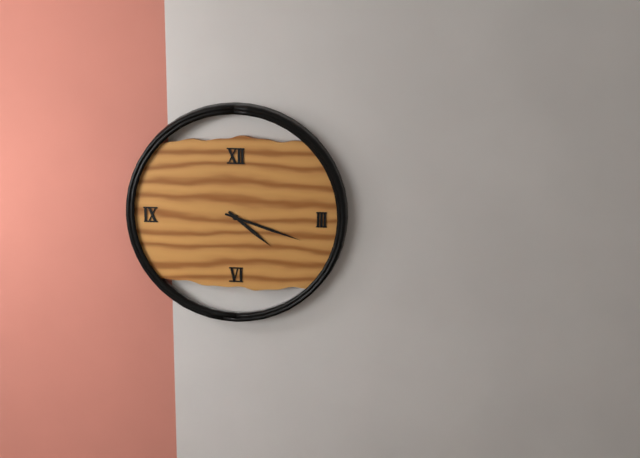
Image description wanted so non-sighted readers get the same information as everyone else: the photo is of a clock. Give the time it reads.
4:18
